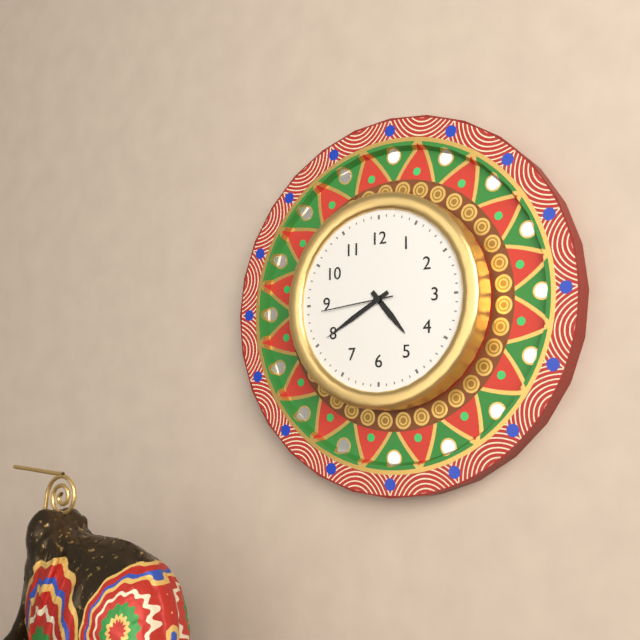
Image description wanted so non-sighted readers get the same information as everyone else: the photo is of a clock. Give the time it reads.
4:40:44
